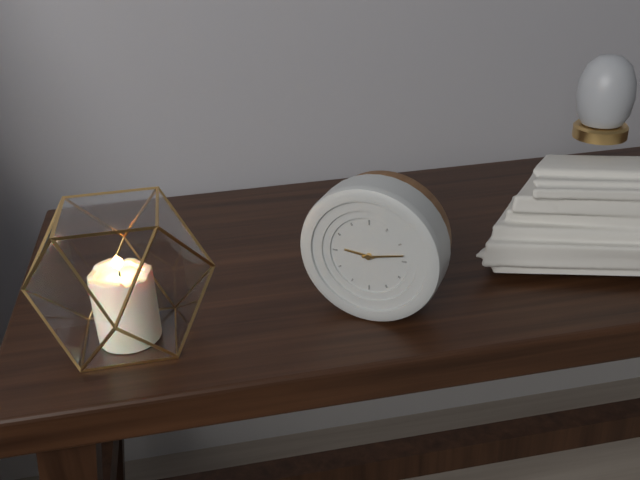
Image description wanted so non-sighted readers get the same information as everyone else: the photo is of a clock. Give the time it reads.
9:13
